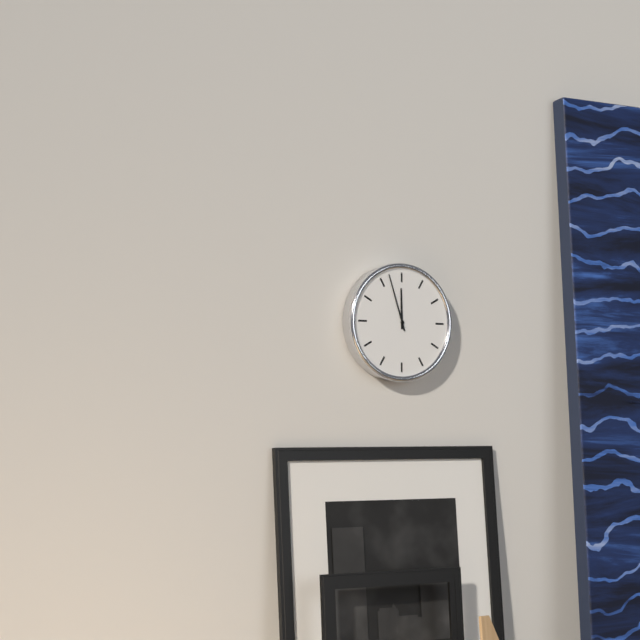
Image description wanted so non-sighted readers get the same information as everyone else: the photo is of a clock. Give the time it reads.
11:57
